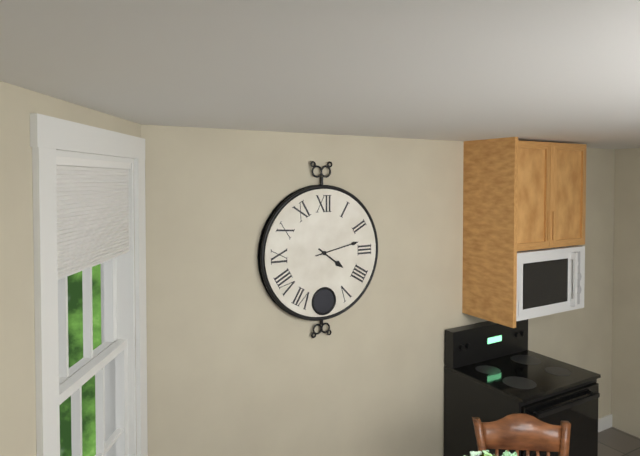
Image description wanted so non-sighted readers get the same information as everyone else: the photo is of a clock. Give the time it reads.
4:13
